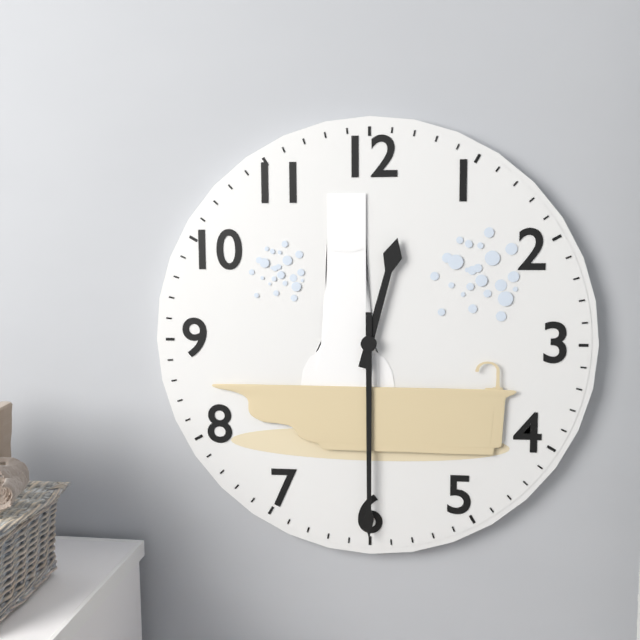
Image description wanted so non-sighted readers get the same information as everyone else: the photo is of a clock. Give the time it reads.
12:30
